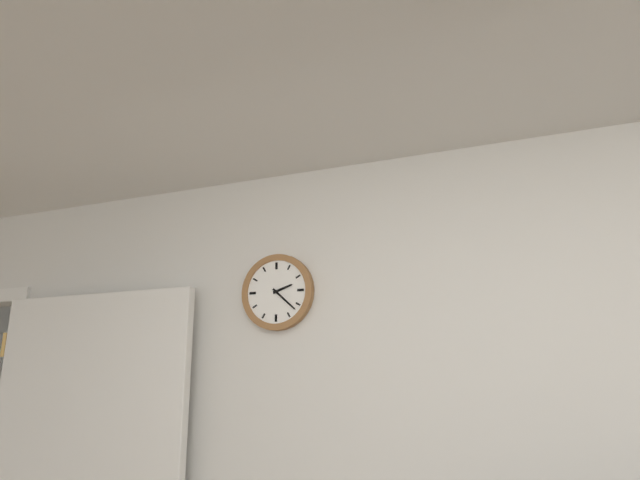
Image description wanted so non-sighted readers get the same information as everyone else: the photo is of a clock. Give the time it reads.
2:22
